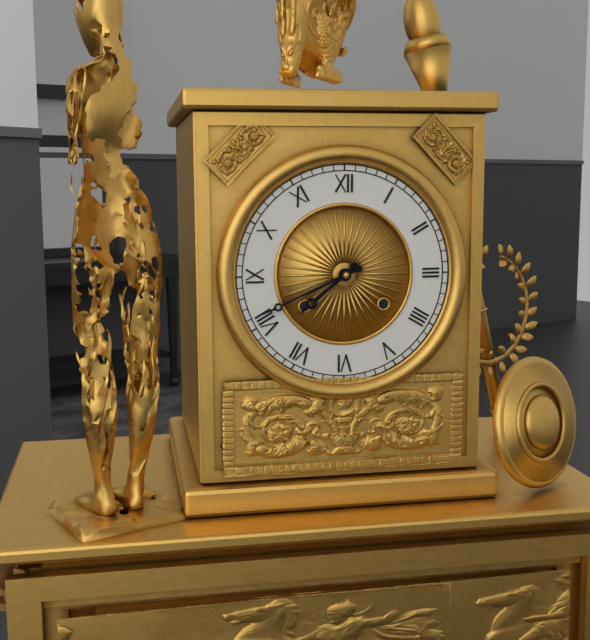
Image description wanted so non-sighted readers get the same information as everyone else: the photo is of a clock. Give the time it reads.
7:41
